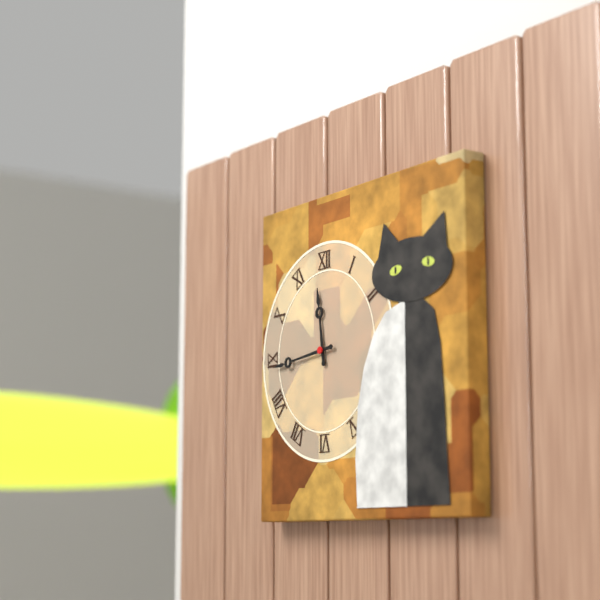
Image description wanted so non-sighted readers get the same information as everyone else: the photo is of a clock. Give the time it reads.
11:44
